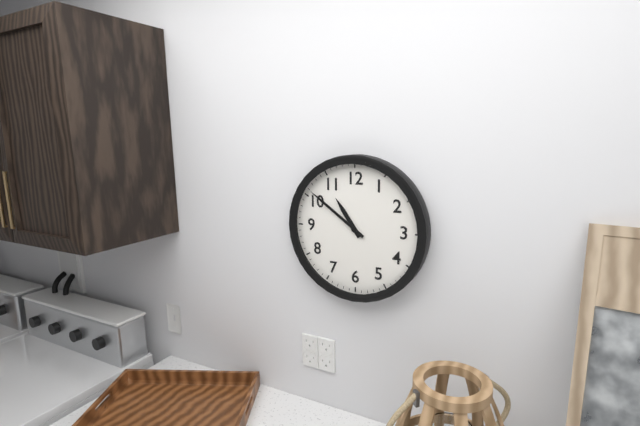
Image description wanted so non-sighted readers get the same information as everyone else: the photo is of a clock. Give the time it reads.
10:51
